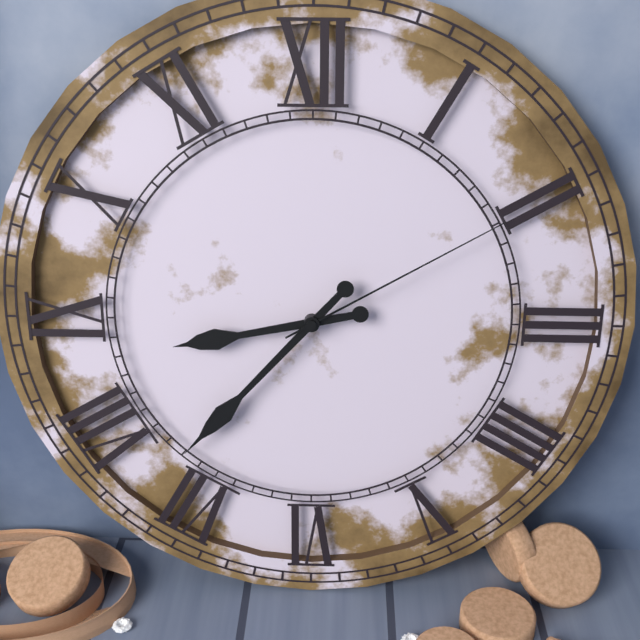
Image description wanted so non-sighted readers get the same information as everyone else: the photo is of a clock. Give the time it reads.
8:37:10
